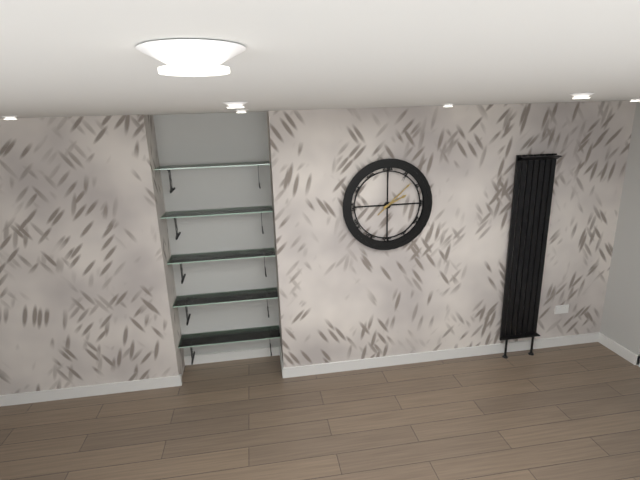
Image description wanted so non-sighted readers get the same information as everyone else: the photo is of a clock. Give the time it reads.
2:08
